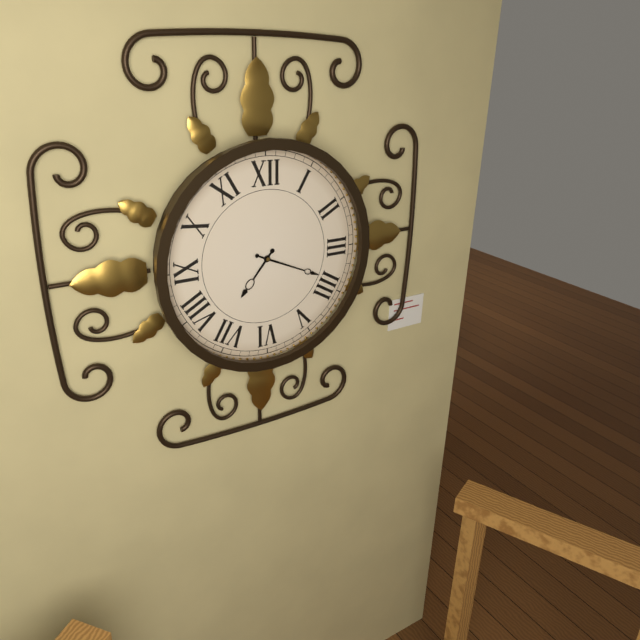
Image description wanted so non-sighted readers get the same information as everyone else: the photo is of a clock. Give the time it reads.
7:19
